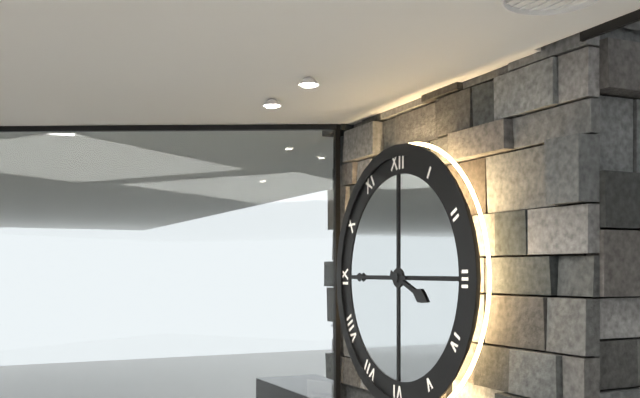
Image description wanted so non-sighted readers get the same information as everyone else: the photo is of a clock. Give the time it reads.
3:45
